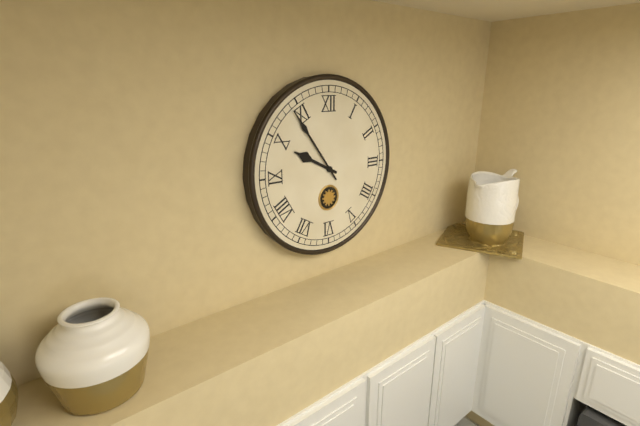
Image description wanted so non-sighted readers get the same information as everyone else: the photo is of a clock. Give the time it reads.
9:54
